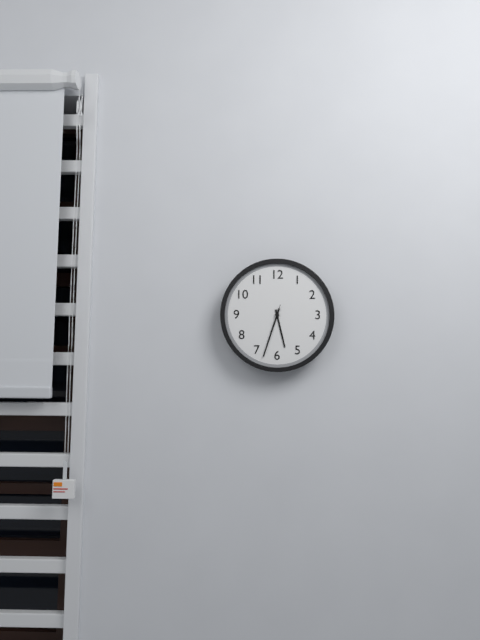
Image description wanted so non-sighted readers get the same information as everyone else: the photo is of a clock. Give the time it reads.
5:33:33
